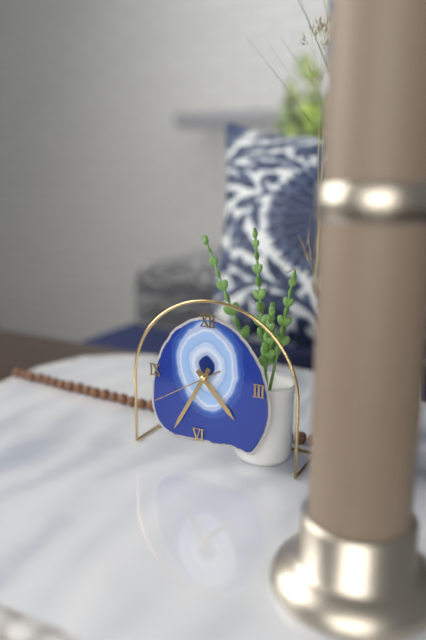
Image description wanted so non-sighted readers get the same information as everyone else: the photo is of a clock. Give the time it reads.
4:35:40
